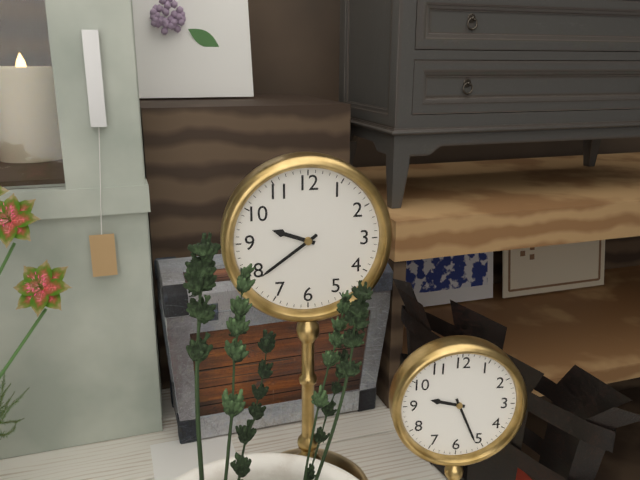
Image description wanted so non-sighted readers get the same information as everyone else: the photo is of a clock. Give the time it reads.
9:39
